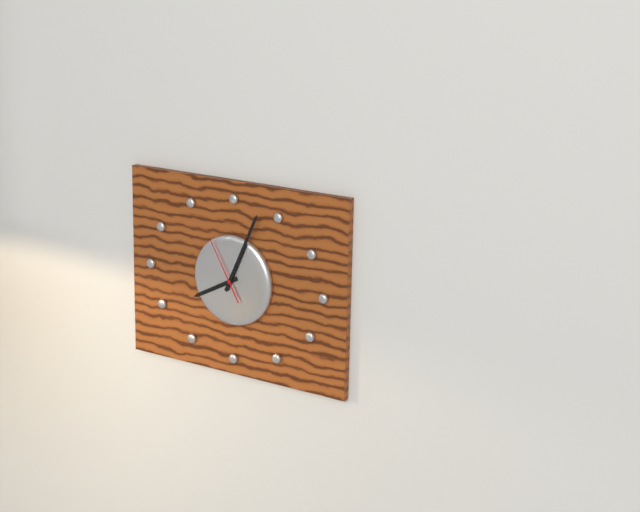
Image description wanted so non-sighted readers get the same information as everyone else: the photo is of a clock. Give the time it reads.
8:04:55
